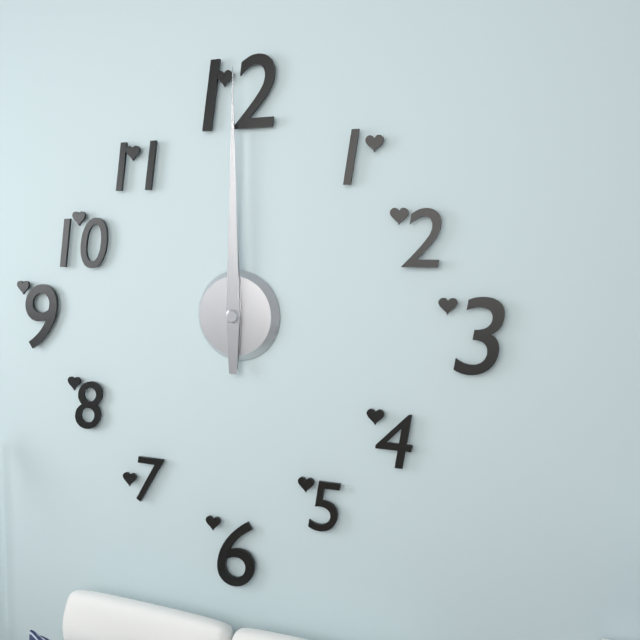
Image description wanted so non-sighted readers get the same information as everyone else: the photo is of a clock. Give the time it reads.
12:00
